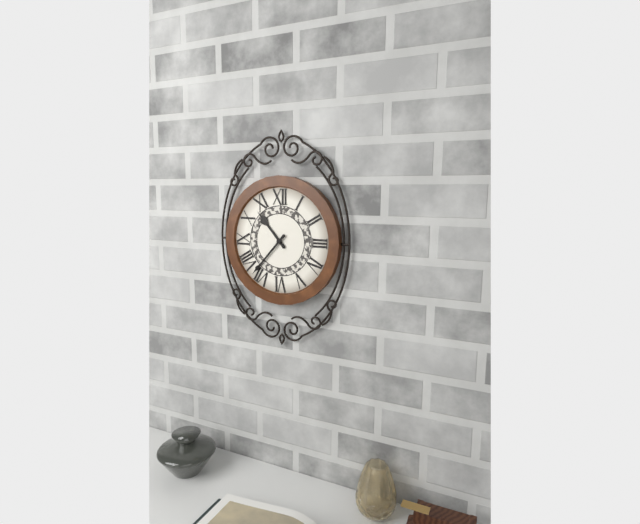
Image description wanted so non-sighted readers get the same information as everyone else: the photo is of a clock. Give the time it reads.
10:37
